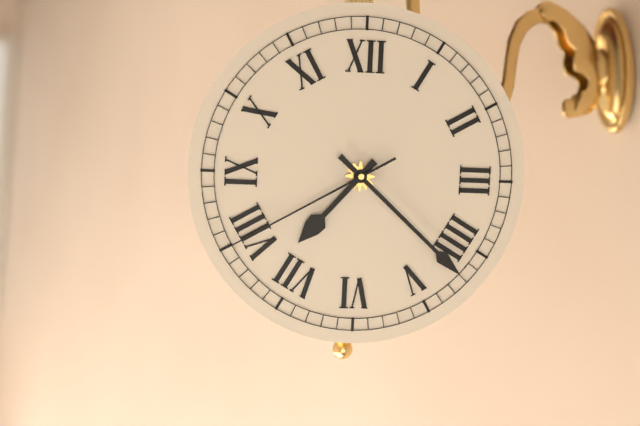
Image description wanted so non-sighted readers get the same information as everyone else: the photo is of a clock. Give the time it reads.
7:22:40
